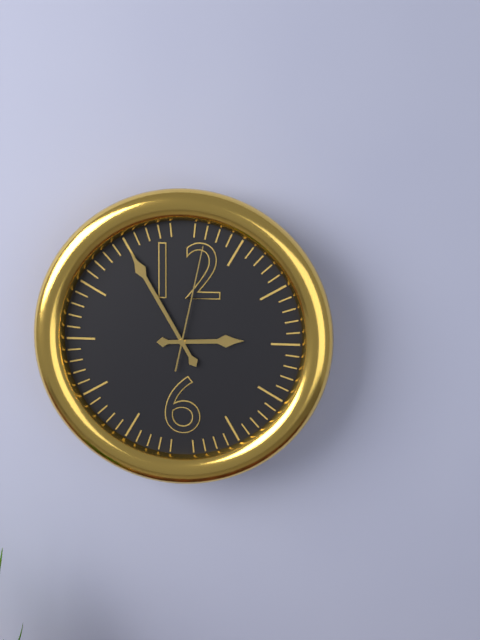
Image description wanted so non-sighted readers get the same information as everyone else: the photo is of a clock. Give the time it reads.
2:55:02
